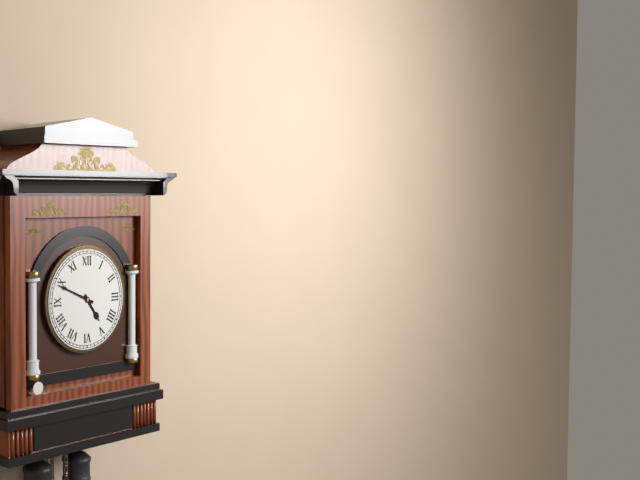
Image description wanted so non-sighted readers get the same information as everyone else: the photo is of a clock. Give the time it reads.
4:49
